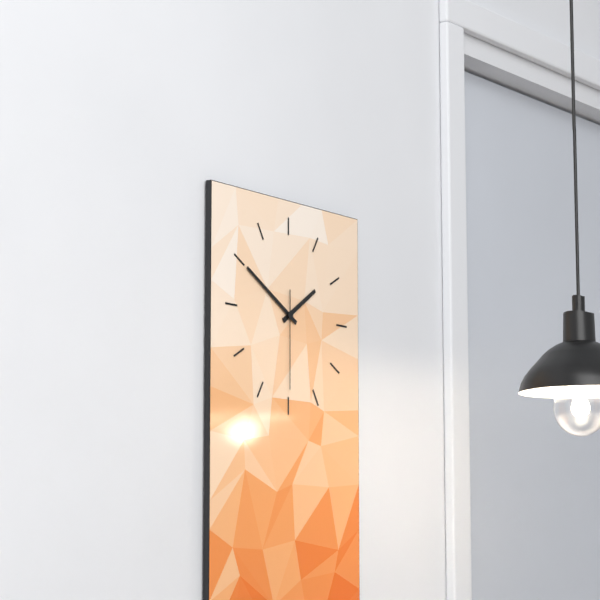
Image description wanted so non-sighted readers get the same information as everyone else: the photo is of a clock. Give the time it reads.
1:50:30
